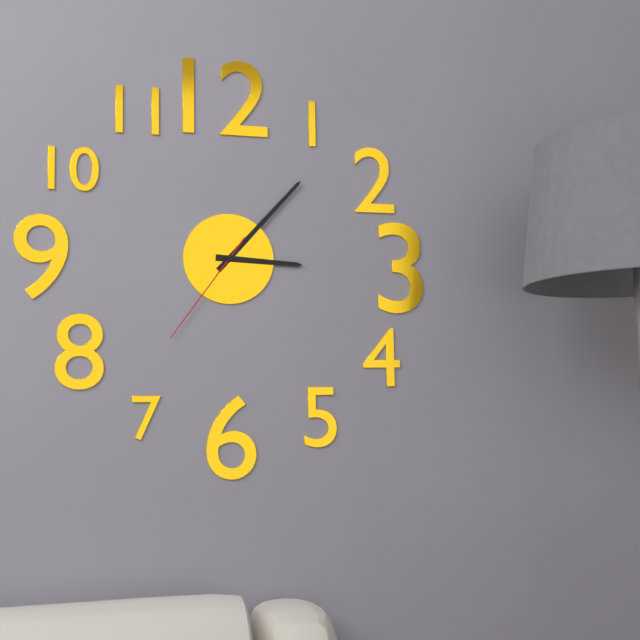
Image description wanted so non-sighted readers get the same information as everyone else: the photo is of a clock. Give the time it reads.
3:07:36
